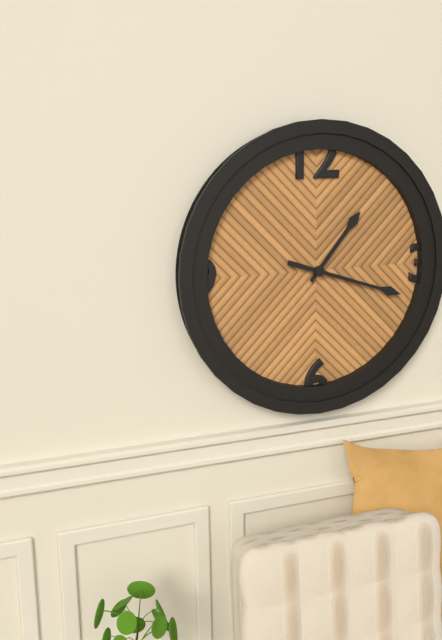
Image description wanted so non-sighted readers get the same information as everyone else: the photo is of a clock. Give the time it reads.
1:18
